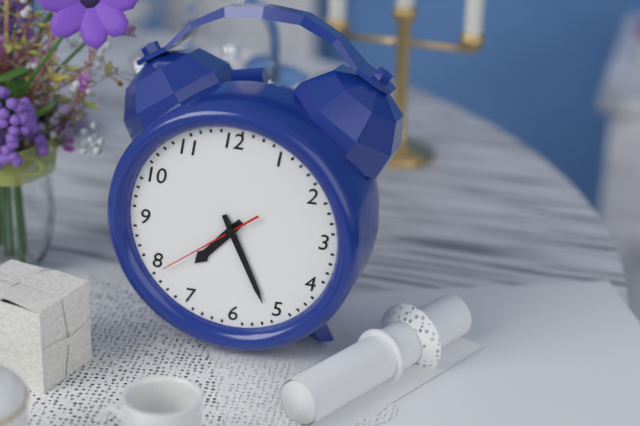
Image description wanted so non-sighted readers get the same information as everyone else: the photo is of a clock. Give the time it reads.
7:26:39
